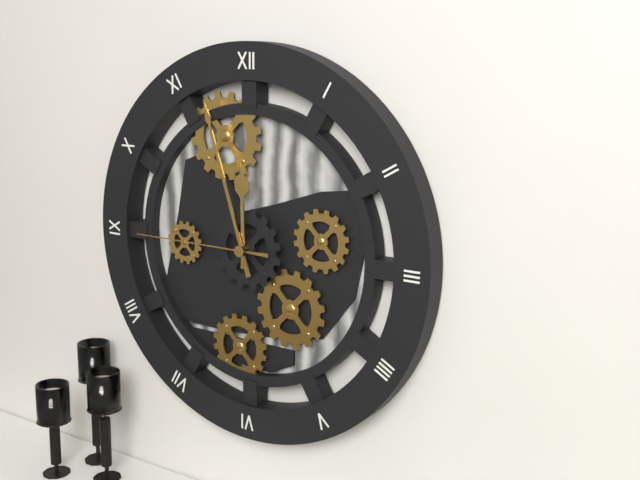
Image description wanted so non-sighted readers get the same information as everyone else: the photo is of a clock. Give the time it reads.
11:57:45
